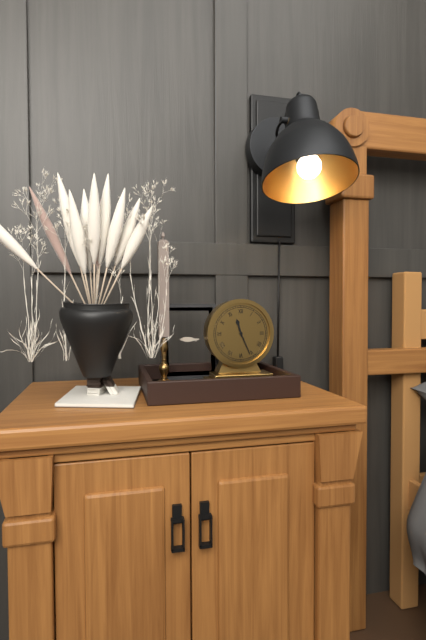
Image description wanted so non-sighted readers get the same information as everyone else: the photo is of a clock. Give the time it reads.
11:26
